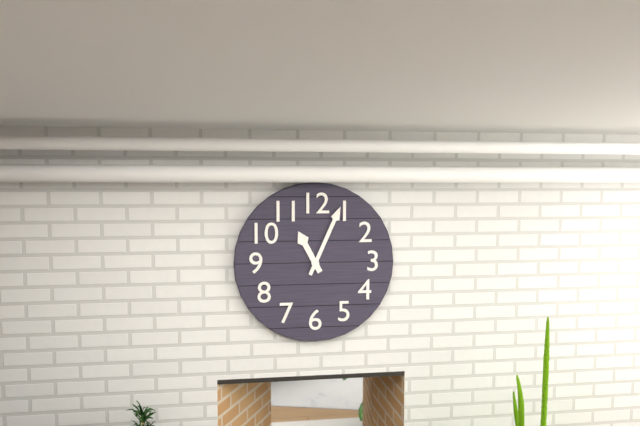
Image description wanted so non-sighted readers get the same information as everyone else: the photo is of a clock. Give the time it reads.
11:04
